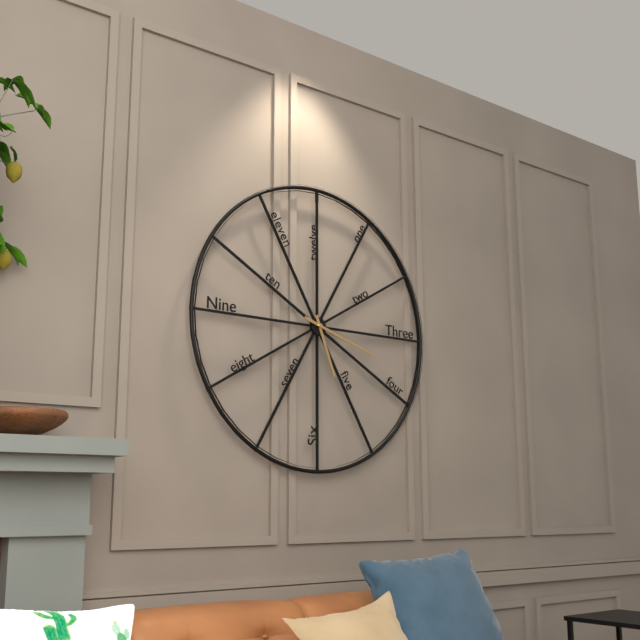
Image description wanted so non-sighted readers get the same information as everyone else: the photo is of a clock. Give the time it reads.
5:18
